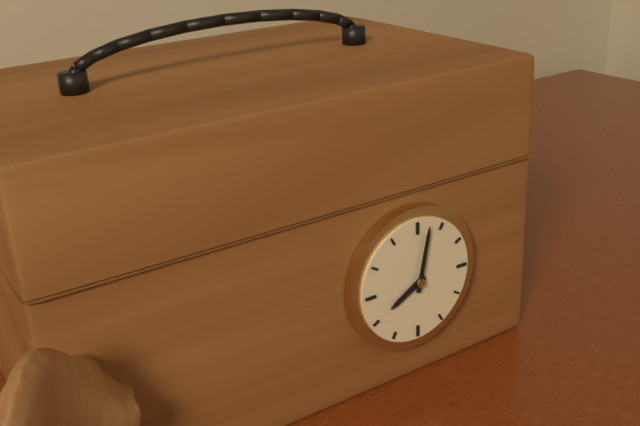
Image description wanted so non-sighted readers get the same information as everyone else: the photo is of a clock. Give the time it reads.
8:02
